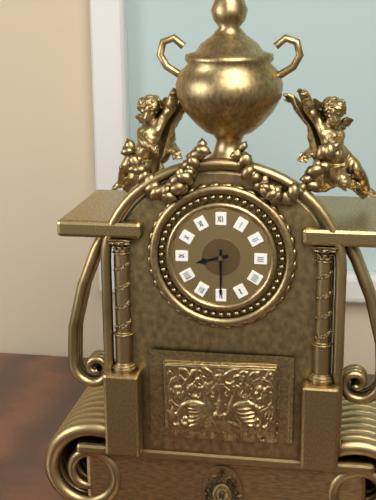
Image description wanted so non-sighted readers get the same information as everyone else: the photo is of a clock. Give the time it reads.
8:30
